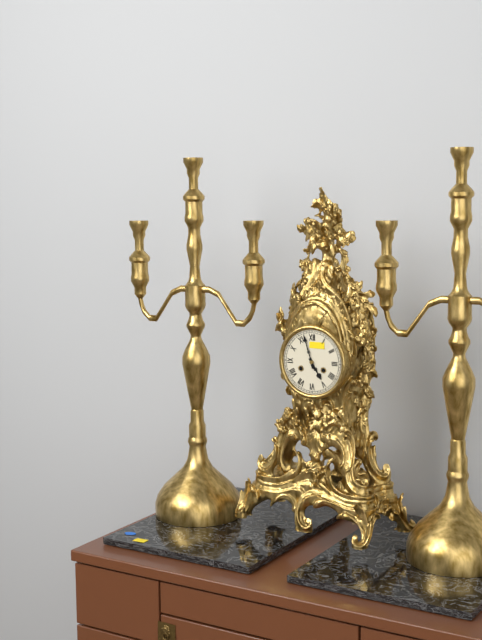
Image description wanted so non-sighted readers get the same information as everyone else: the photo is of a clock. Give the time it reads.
4:57
